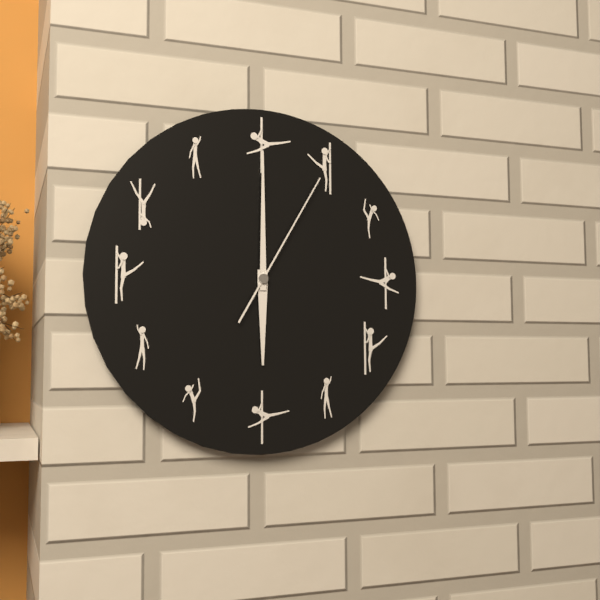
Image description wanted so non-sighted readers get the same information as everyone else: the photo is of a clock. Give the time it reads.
6:00:05
